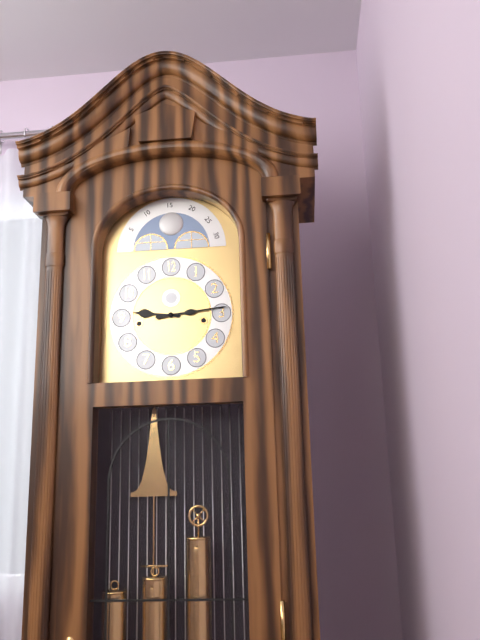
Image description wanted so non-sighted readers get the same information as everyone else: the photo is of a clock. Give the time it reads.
9:14
